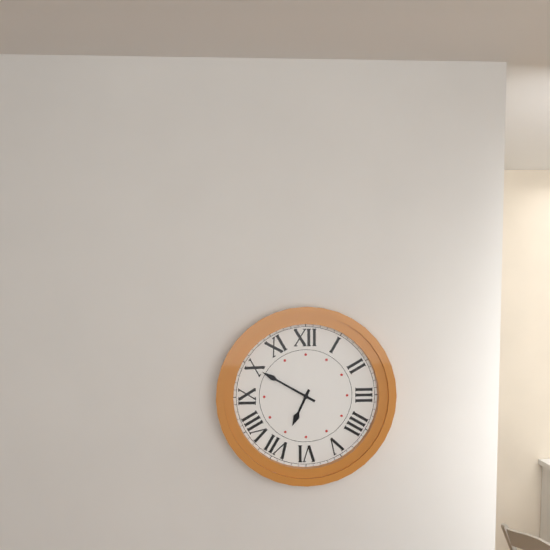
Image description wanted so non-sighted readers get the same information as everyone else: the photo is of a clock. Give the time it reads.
6:50
